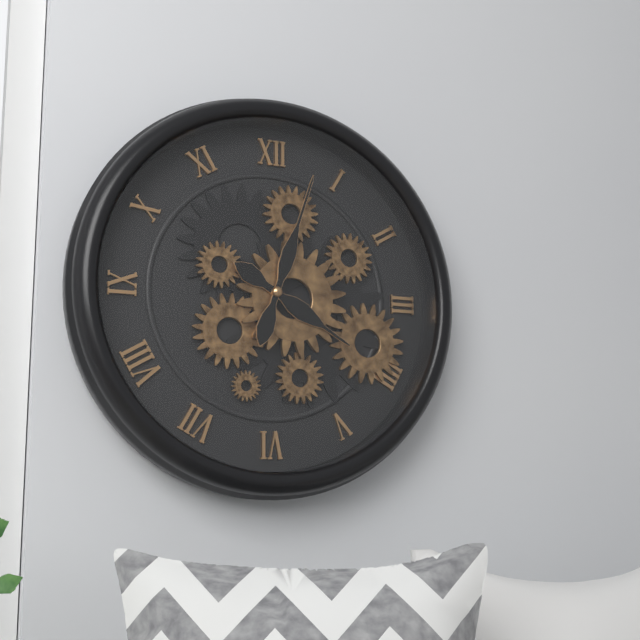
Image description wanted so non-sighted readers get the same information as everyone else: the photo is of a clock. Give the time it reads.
4:03
